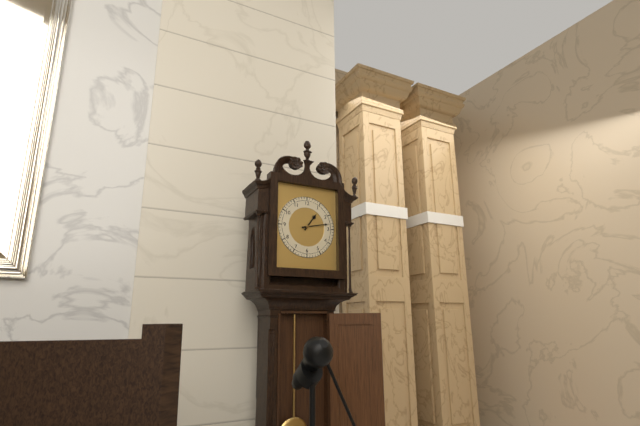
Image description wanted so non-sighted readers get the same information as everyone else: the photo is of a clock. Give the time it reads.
1:13
